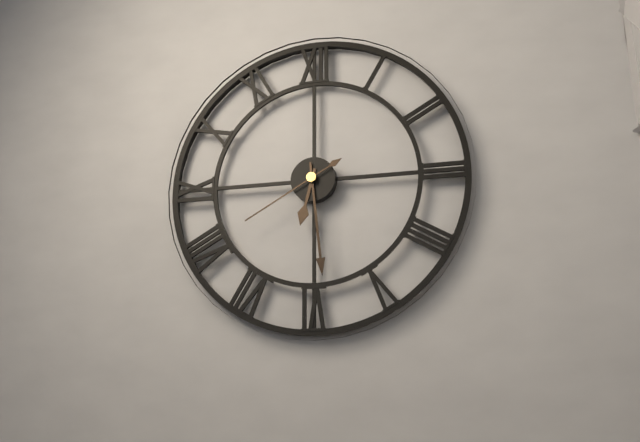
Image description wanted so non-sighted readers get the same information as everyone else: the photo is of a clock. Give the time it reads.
6:29:40
